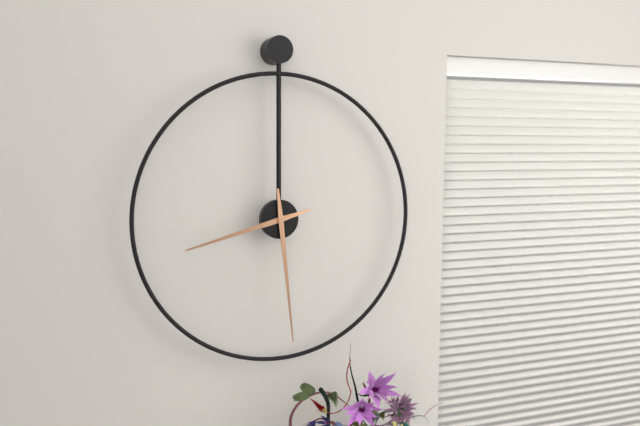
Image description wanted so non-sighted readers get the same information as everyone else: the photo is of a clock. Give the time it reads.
8:29
